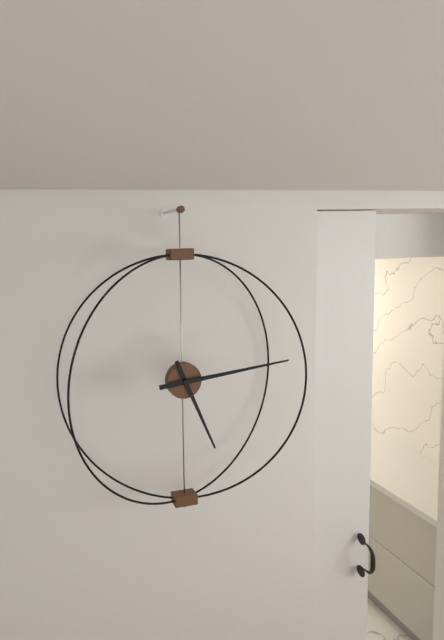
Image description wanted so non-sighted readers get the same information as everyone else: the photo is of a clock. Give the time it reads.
5:14
